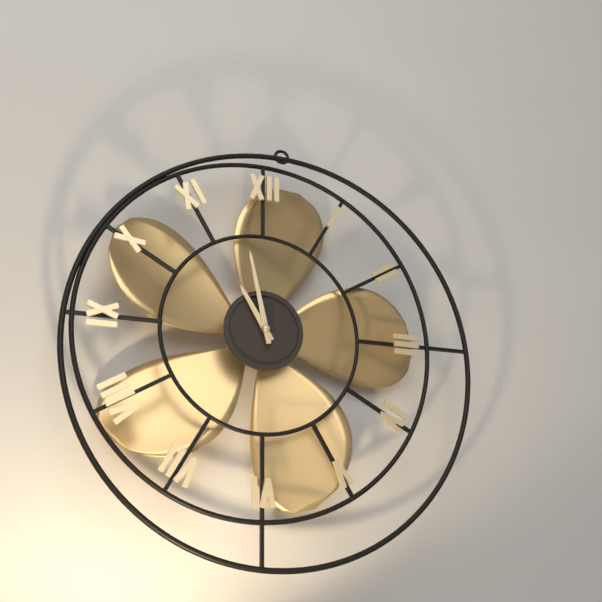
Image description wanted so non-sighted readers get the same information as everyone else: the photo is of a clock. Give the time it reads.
10:58
